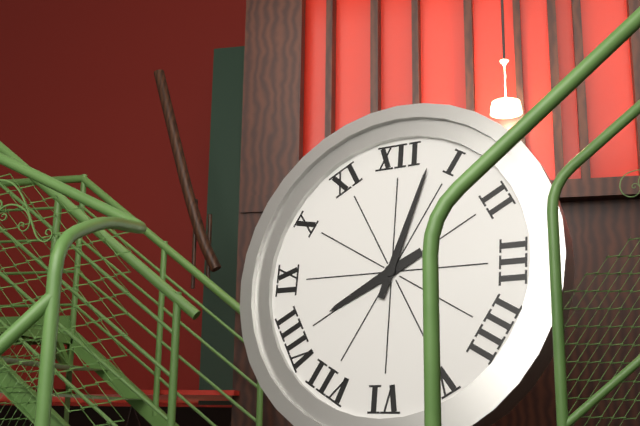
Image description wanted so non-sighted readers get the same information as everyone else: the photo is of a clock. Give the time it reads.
8:03
